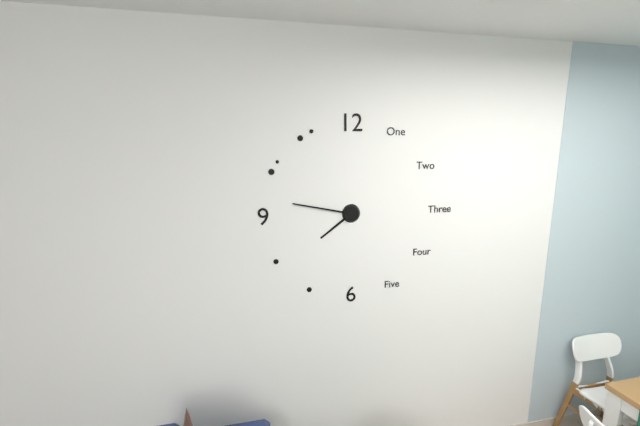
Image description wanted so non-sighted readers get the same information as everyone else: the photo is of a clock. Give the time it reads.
7:47
